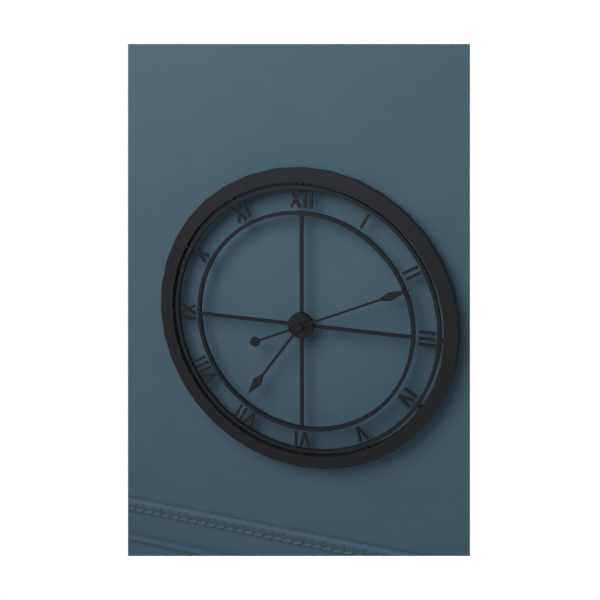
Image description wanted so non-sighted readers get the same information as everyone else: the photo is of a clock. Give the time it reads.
7:11
